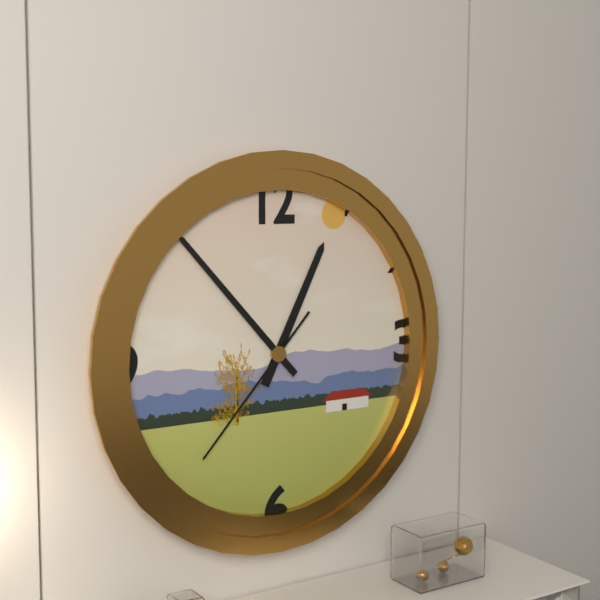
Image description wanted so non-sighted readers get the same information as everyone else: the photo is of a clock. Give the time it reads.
12:53:37
